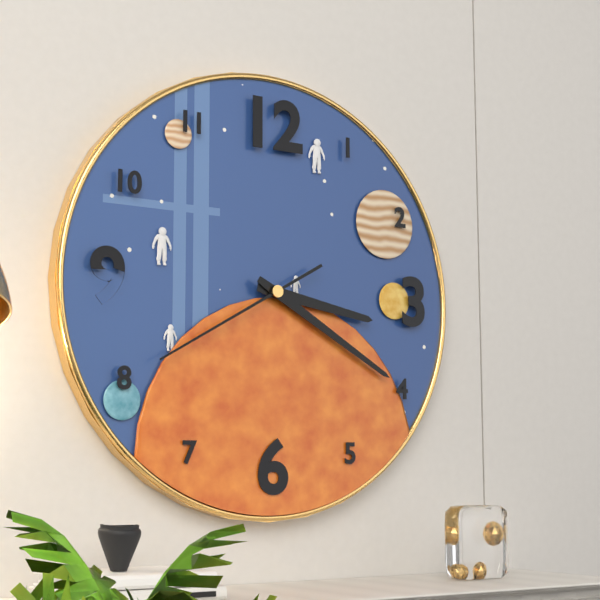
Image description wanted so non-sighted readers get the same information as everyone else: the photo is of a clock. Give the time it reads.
3:20:40
